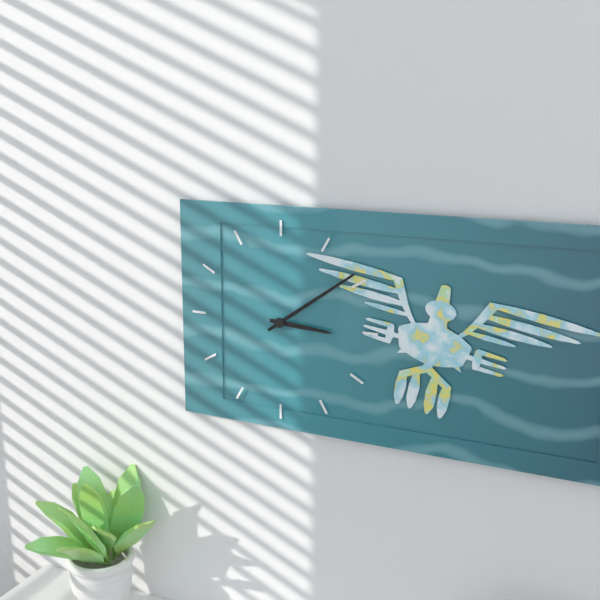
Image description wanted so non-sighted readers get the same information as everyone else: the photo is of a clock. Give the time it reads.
3:09
